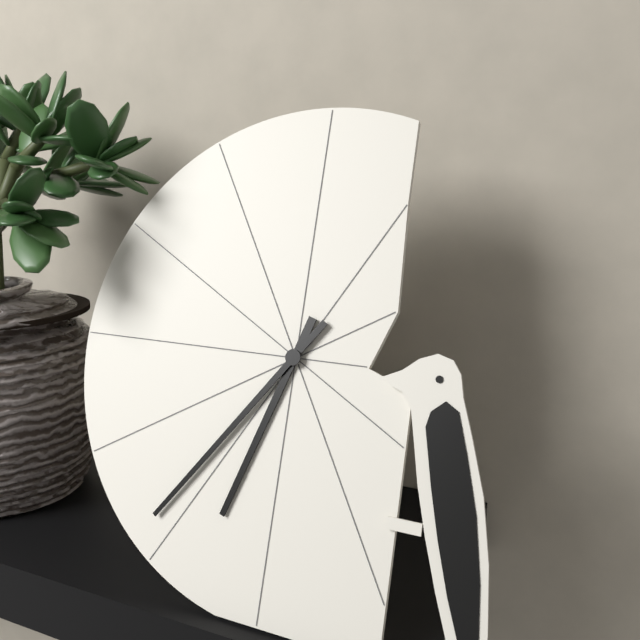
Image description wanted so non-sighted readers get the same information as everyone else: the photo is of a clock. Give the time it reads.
6:36
